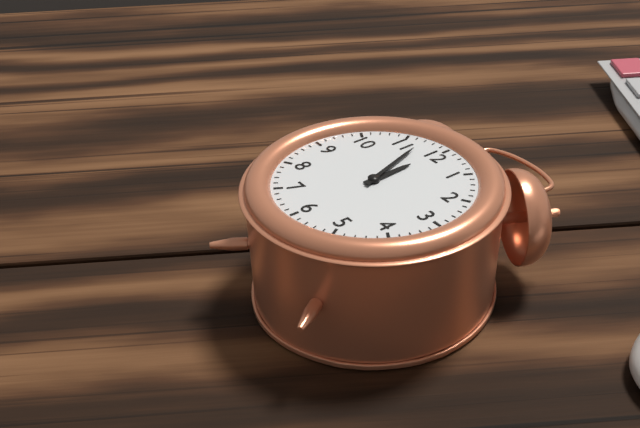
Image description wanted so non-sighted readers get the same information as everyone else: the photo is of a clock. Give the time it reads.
11:57
